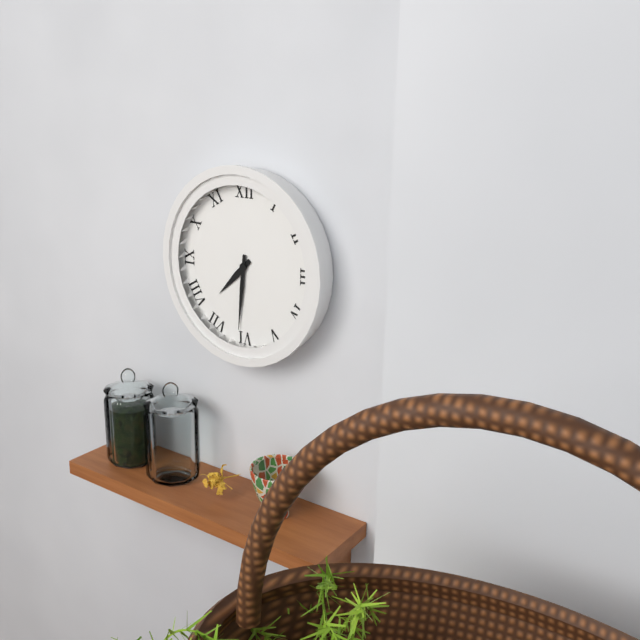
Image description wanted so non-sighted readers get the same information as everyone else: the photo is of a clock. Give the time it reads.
7:31
